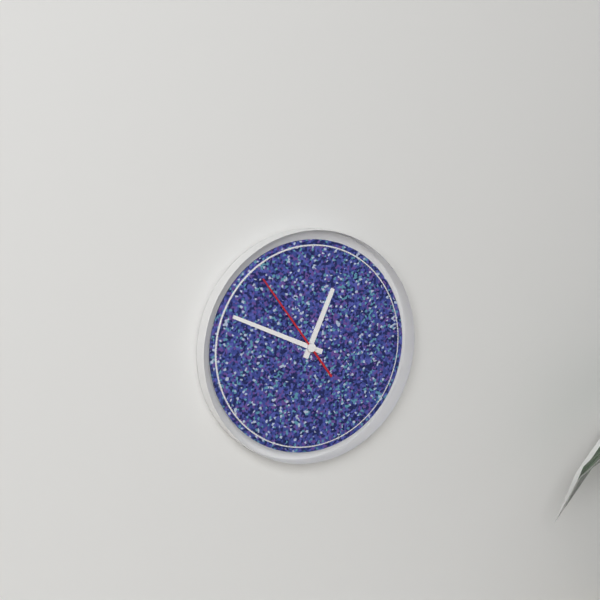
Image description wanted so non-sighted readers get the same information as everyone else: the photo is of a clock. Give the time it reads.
12:49:54
